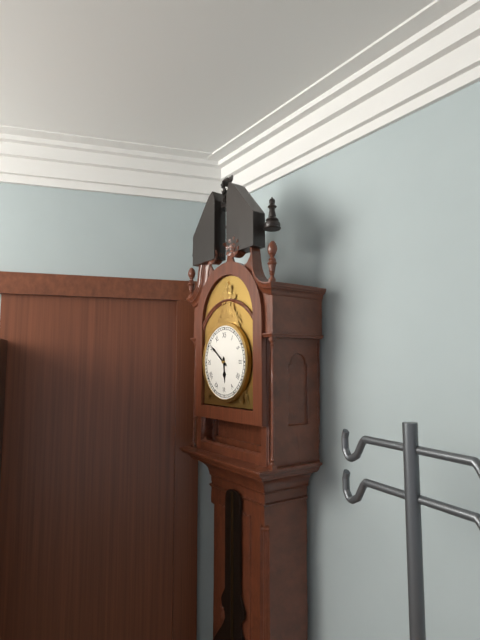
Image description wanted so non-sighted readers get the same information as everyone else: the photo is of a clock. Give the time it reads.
5:51
